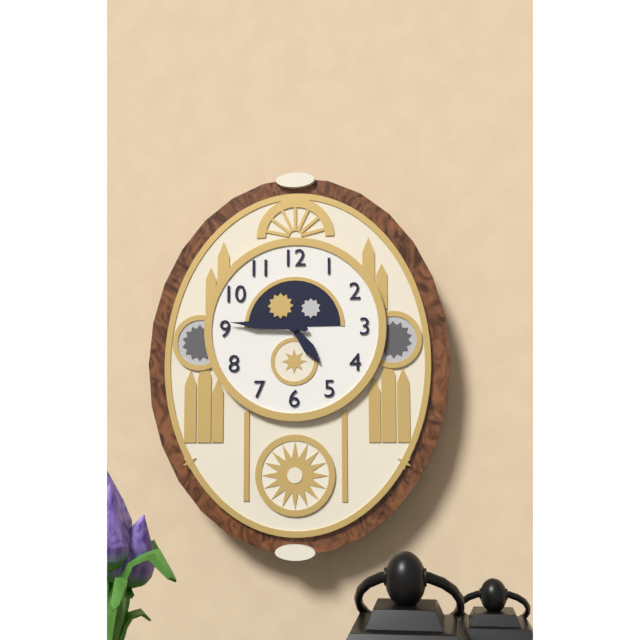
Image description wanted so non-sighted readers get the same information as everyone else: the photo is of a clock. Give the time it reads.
4:46
